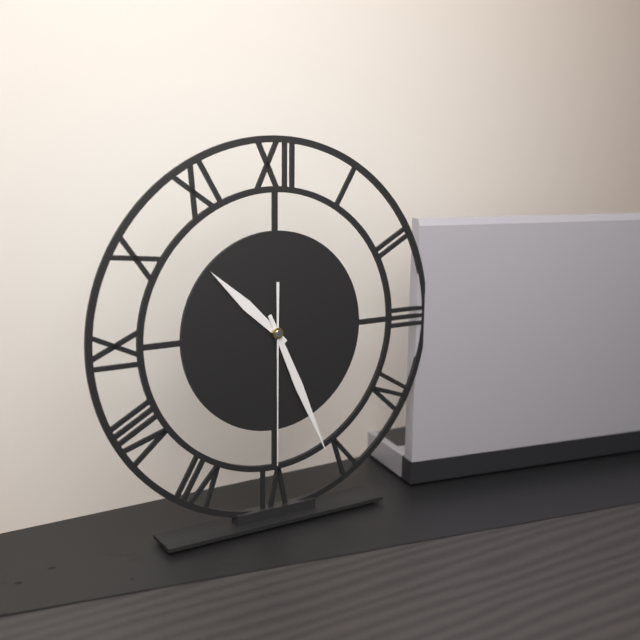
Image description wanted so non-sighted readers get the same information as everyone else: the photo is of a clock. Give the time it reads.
10:26:30
